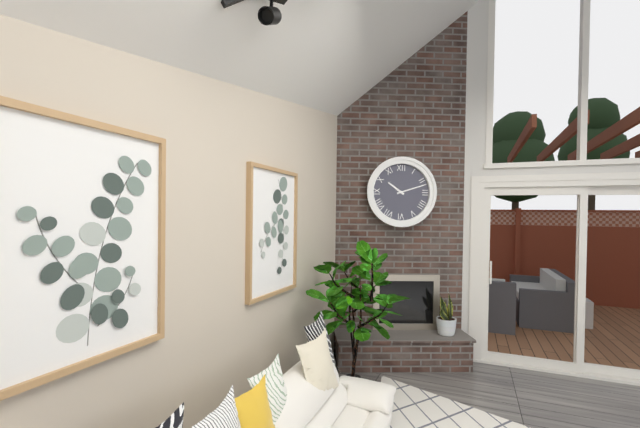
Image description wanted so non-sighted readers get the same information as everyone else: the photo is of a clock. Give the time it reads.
10:12
